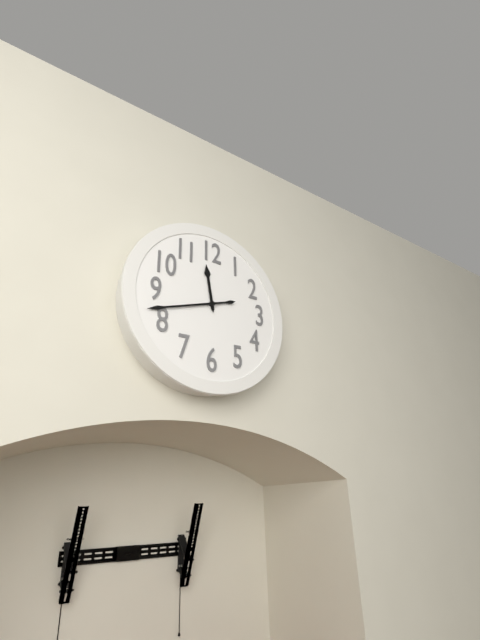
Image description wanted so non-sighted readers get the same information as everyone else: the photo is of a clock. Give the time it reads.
11:42
